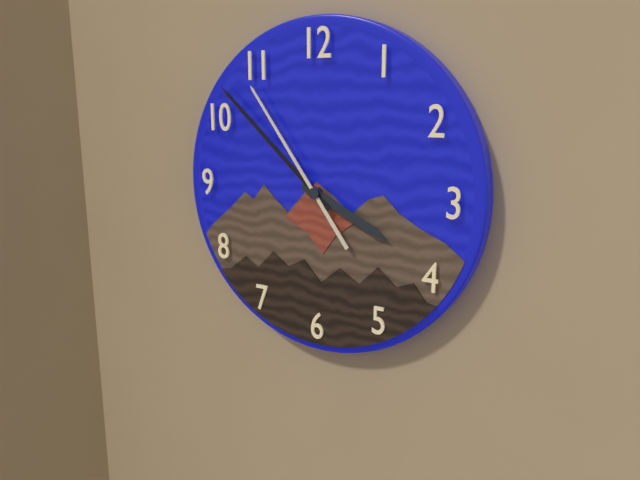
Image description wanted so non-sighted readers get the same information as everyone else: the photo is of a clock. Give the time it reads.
3:52:54
